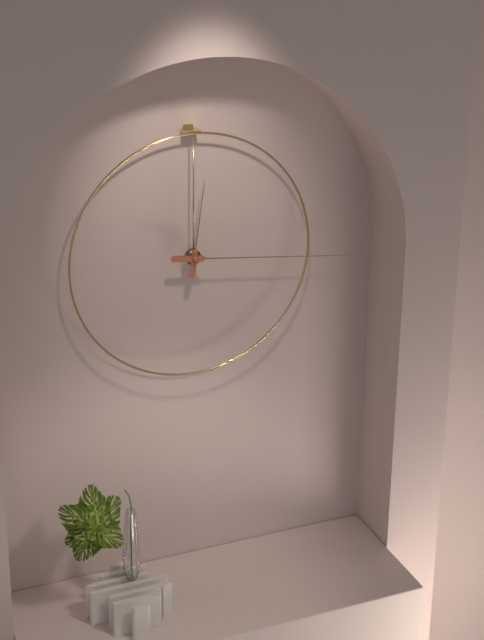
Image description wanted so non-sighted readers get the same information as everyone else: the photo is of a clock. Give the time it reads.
12:16
